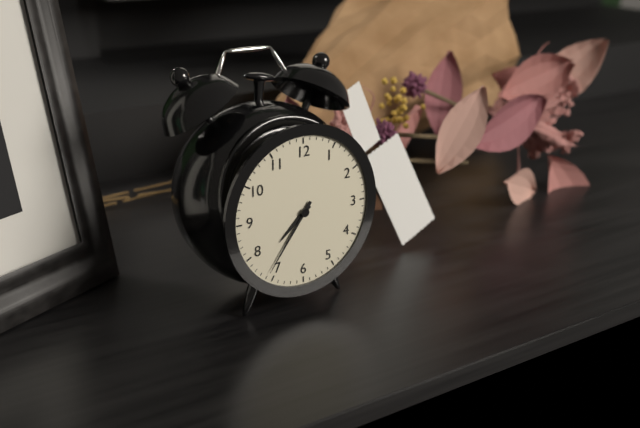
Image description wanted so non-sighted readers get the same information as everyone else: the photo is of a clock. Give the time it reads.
7:36
